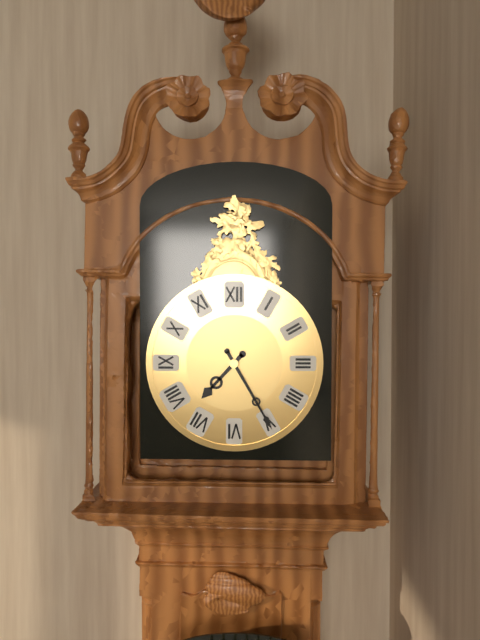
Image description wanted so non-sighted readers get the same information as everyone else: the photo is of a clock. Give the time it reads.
7:25
